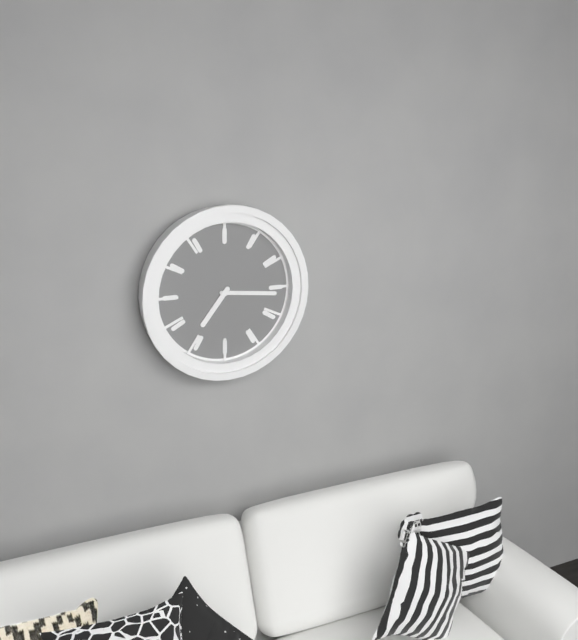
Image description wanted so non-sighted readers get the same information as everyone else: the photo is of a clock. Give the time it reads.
7:16
